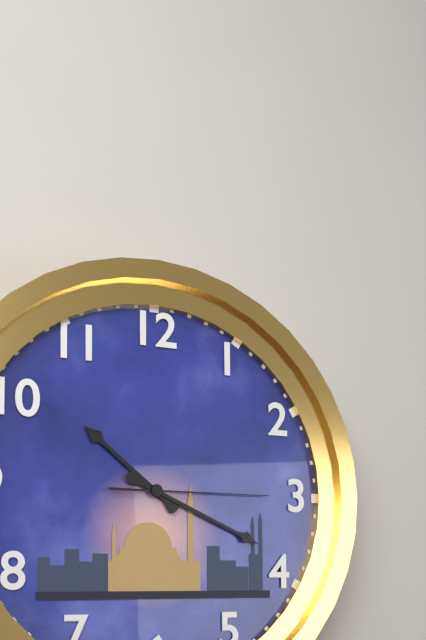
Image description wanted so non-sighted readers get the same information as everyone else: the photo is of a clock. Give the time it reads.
10:19:15
